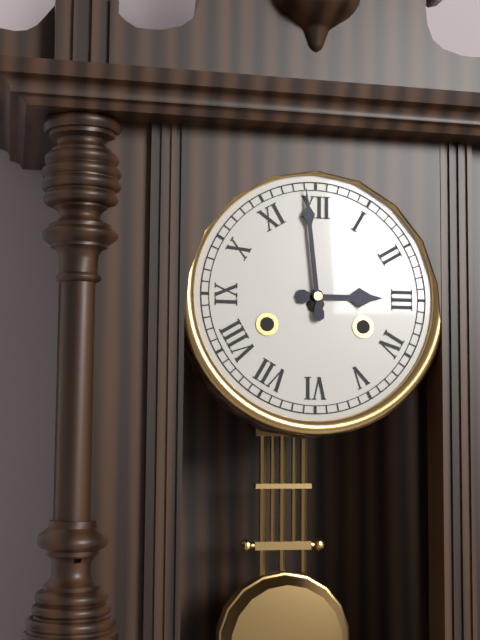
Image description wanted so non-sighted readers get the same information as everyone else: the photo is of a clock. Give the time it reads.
2:59
